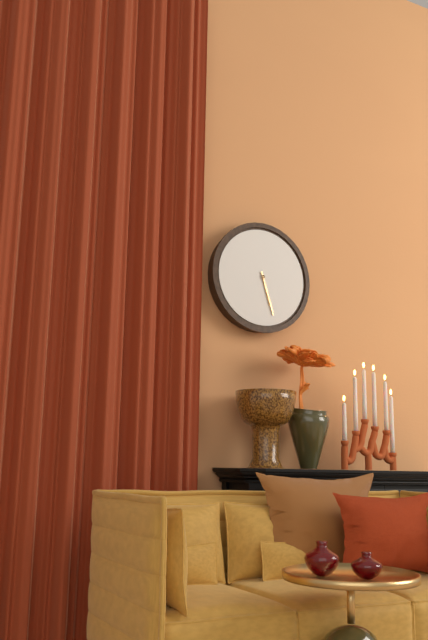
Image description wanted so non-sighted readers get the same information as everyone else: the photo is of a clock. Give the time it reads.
5:27
